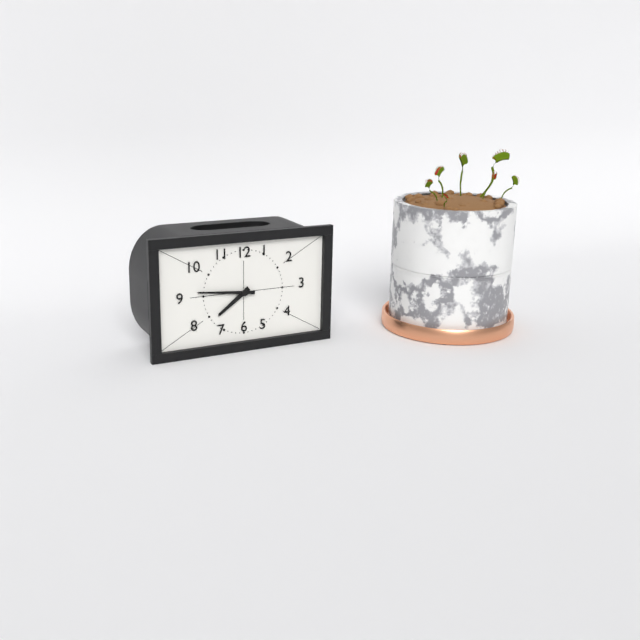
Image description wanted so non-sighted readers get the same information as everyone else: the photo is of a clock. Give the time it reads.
7:46
